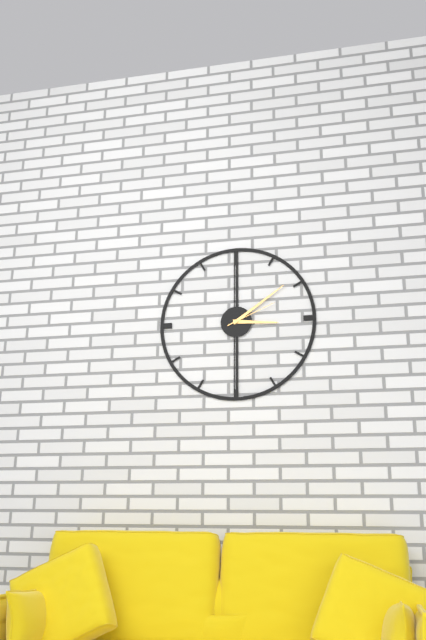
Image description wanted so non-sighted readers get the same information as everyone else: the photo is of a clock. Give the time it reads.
3:09:11
